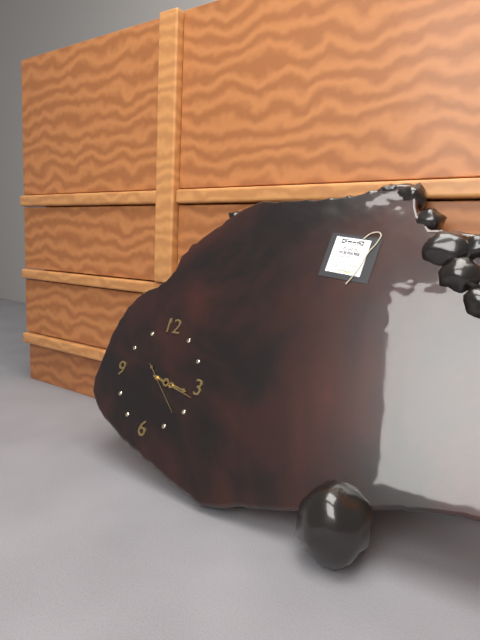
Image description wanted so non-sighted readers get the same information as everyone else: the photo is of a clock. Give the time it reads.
3:17
